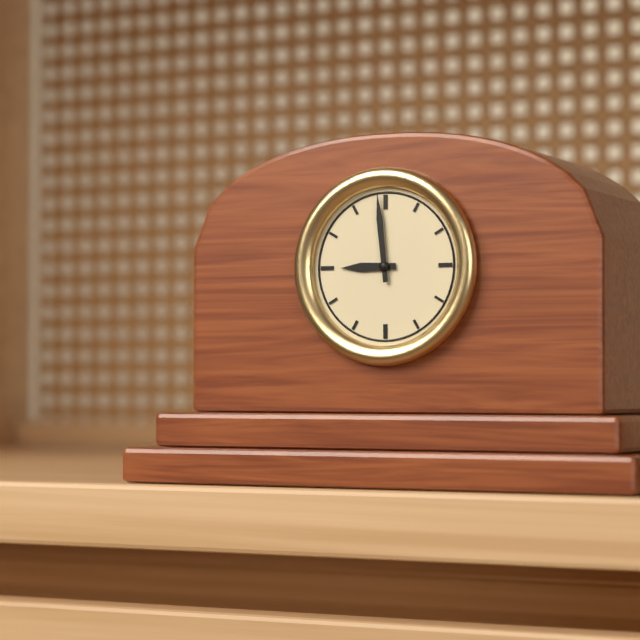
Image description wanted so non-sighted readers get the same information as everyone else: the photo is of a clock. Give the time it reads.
8:59
